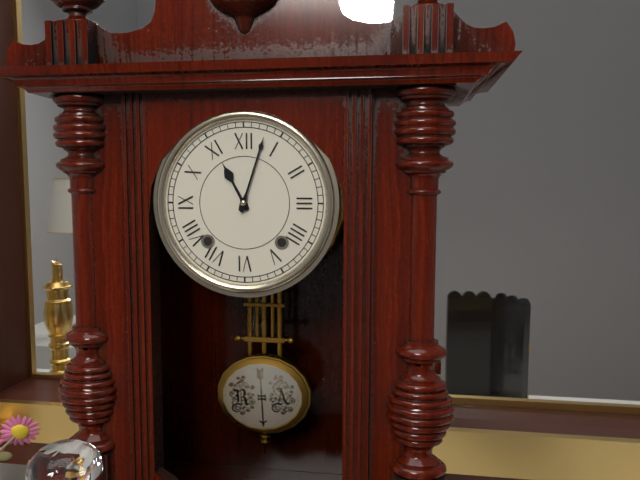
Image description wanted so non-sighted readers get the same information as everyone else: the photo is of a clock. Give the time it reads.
11:03
